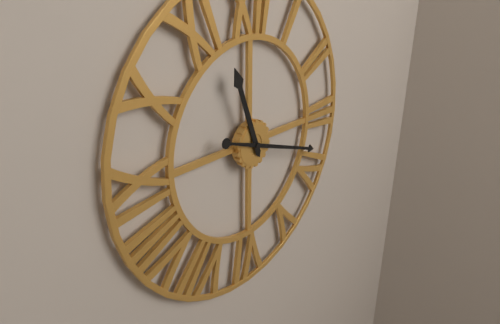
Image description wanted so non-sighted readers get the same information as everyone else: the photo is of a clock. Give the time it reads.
11:18
